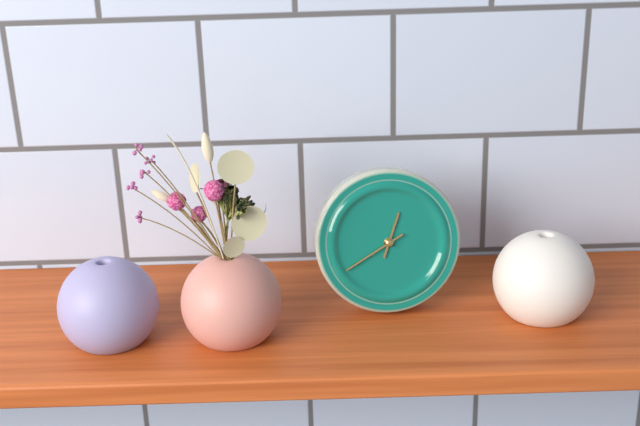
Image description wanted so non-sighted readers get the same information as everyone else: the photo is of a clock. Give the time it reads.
12:40
